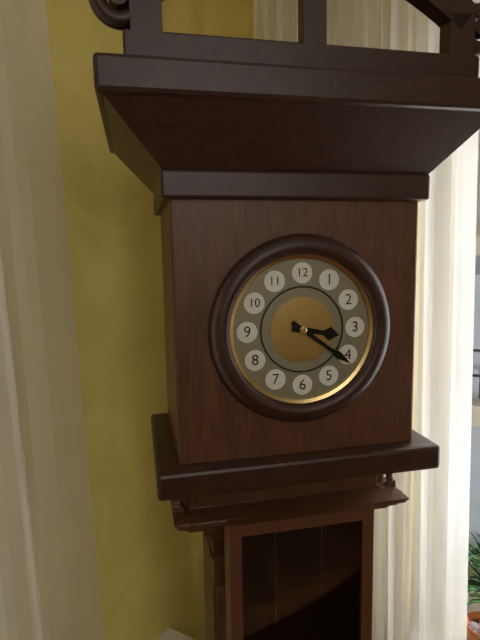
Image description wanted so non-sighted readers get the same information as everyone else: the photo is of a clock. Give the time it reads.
3:21
